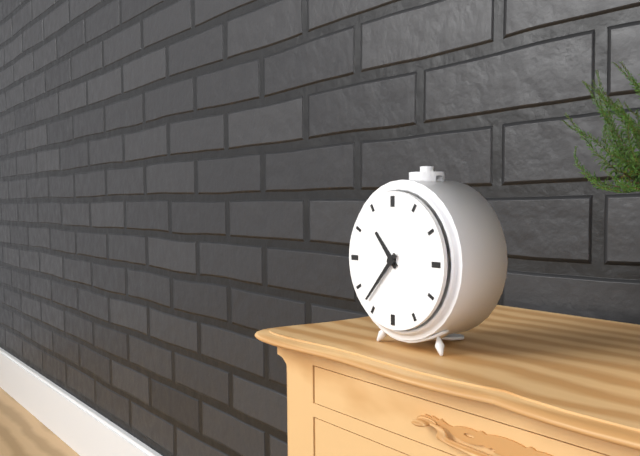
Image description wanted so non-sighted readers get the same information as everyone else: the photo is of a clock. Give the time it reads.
10:37
